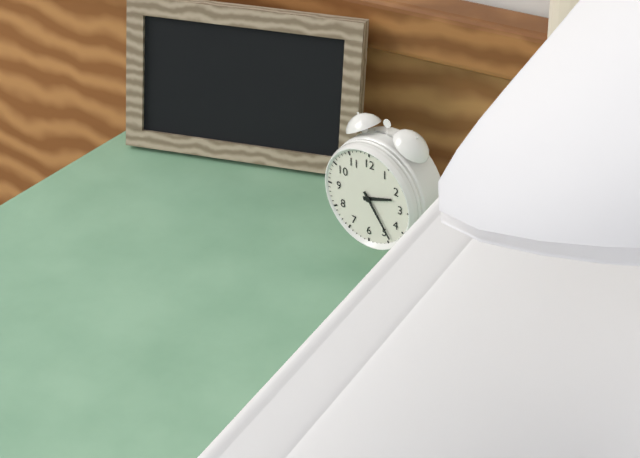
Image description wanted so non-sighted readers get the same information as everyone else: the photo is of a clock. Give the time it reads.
2:24
